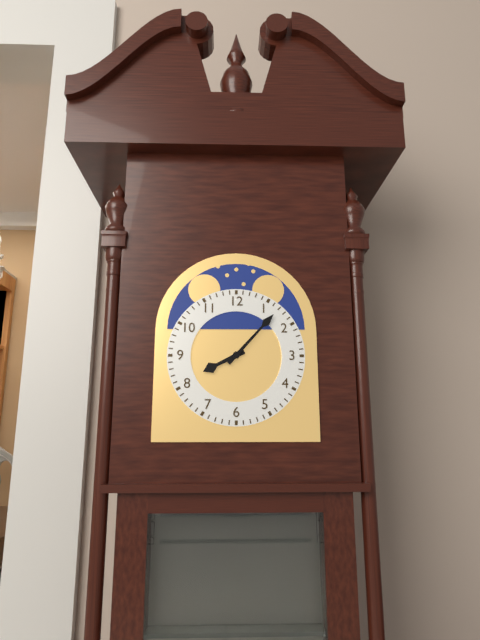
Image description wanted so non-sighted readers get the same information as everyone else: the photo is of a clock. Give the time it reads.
8:07
